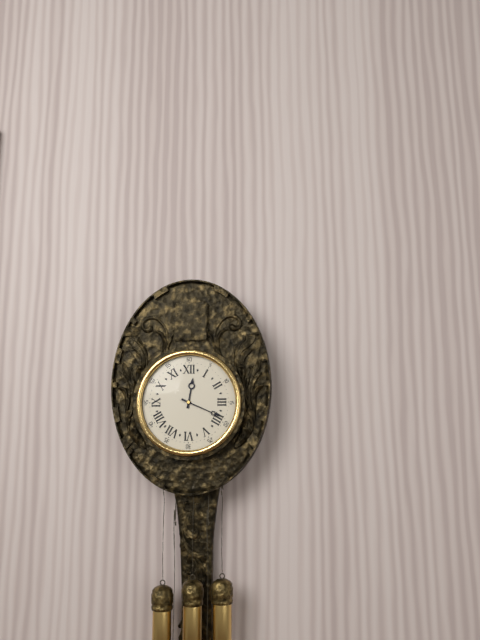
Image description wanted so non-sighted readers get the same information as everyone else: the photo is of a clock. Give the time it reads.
12:19
